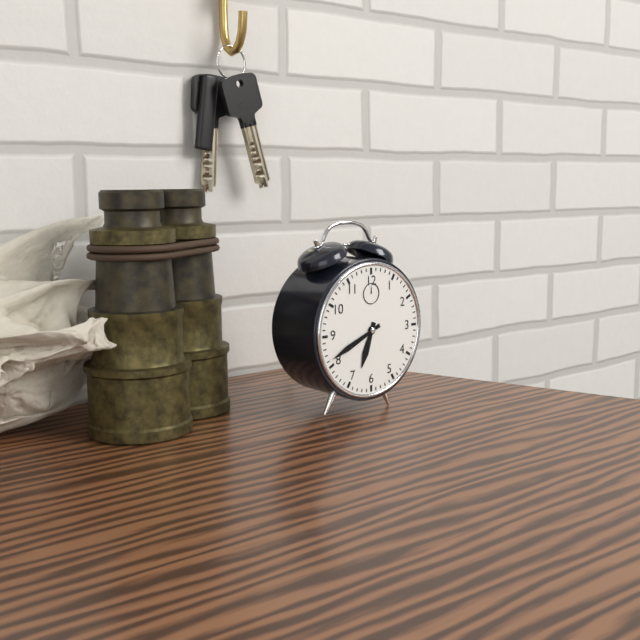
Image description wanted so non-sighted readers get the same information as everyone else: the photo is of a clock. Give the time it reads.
6:41
